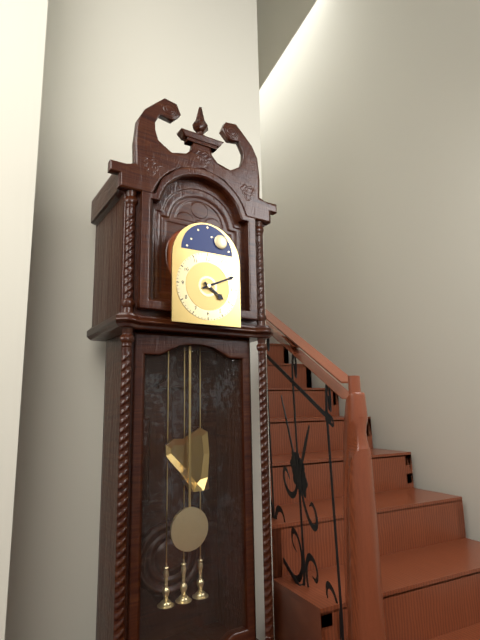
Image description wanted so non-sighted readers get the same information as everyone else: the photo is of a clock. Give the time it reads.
4:11
